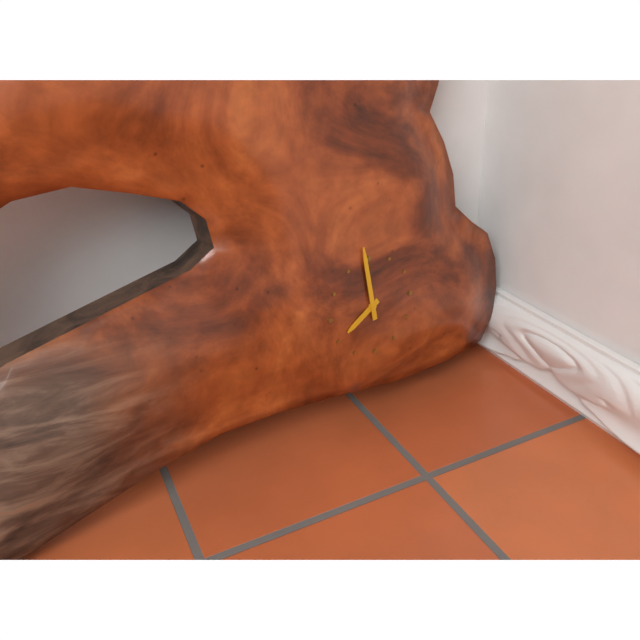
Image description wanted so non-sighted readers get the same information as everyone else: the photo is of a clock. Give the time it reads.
7:59
